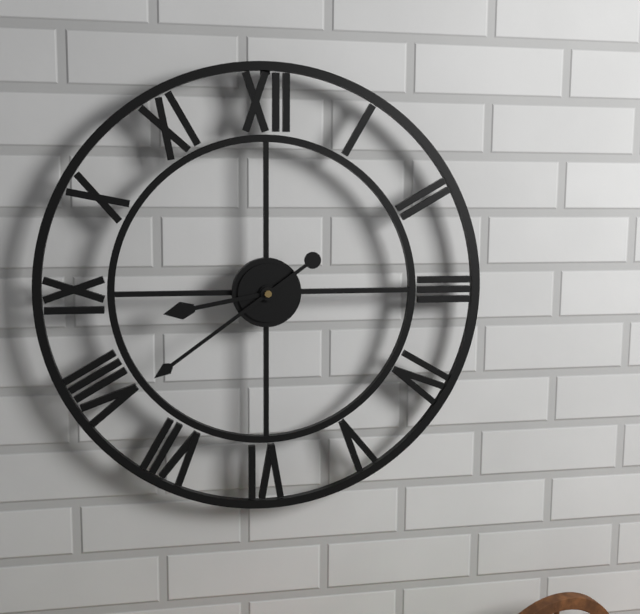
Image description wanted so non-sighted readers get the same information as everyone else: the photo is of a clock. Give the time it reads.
8:39
